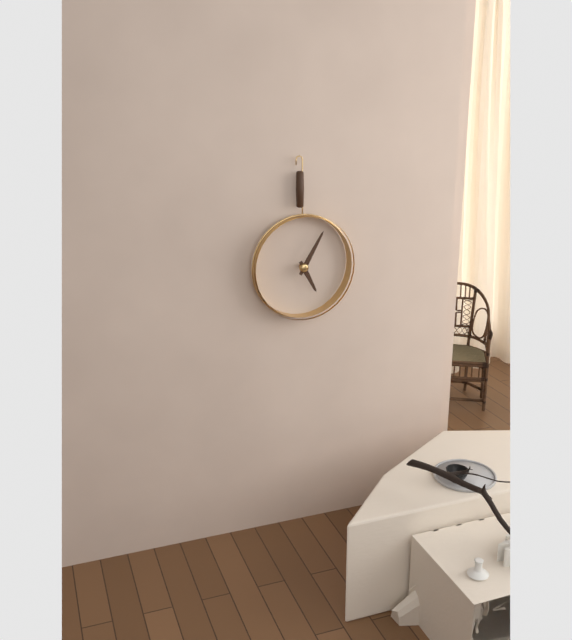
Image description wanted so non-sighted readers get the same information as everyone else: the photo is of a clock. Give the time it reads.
5:05
